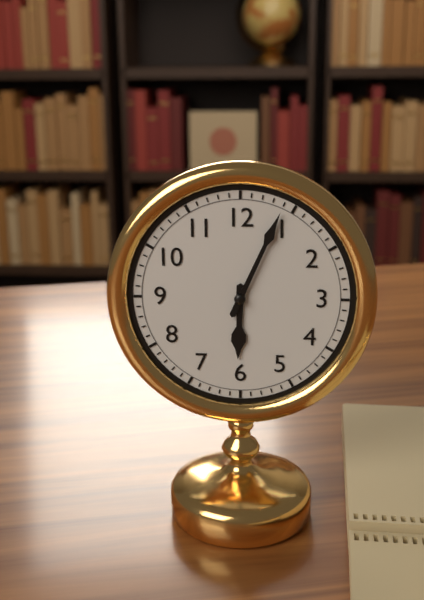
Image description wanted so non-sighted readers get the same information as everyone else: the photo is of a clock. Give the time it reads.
6:04
